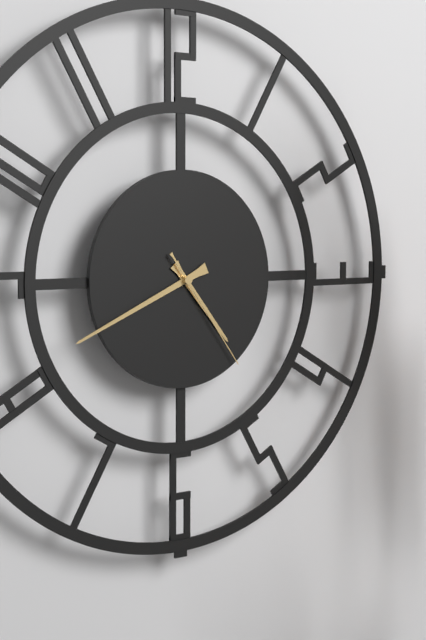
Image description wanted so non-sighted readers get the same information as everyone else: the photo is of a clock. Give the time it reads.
4:41:24
